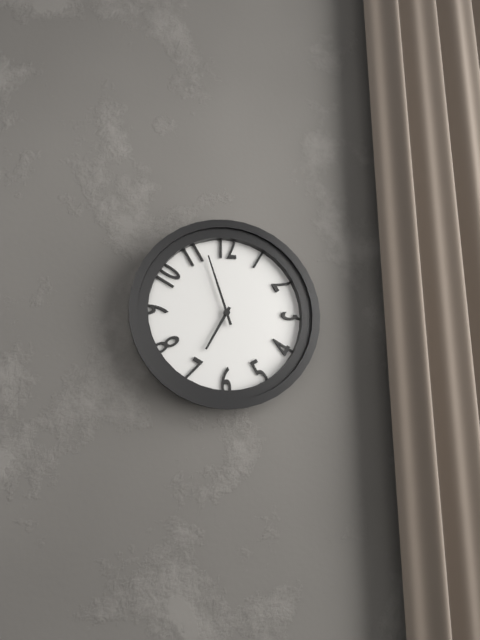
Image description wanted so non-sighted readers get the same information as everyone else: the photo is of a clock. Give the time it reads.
6:57
